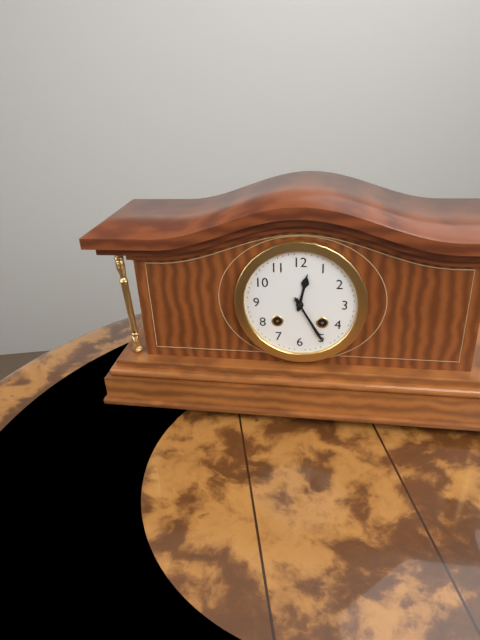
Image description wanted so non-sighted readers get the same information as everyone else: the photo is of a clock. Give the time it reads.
12:25
